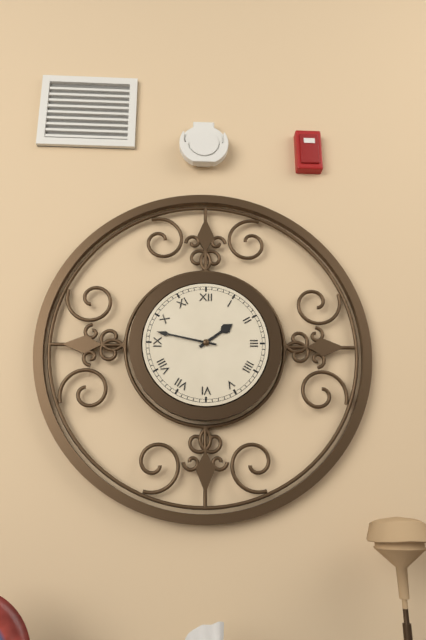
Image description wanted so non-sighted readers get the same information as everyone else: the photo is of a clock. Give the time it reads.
1:47
